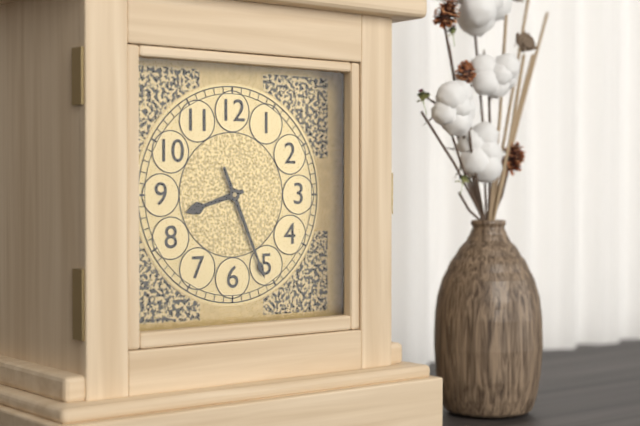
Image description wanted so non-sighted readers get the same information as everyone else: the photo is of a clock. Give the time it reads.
8:26
